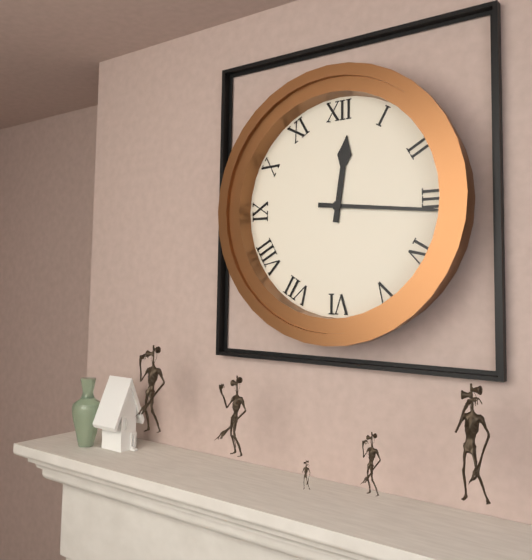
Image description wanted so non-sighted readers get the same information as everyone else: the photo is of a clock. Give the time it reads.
12:16
